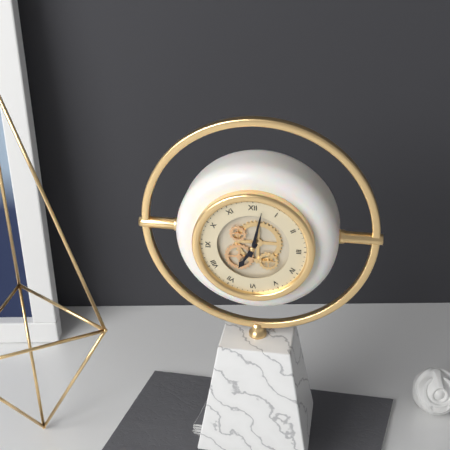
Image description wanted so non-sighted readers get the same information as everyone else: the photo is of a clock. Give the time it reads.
7:02
